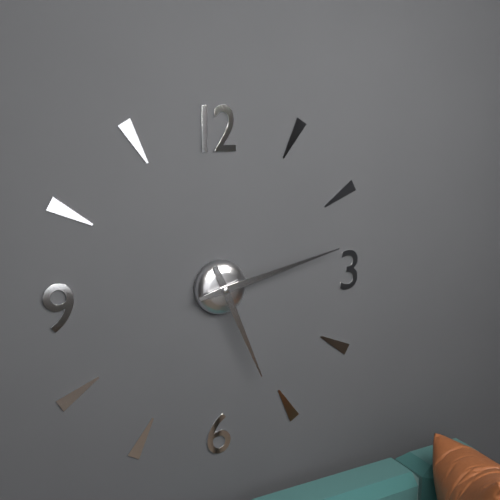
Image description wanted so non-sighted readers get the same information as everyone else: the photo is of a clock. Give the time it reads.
5:13
